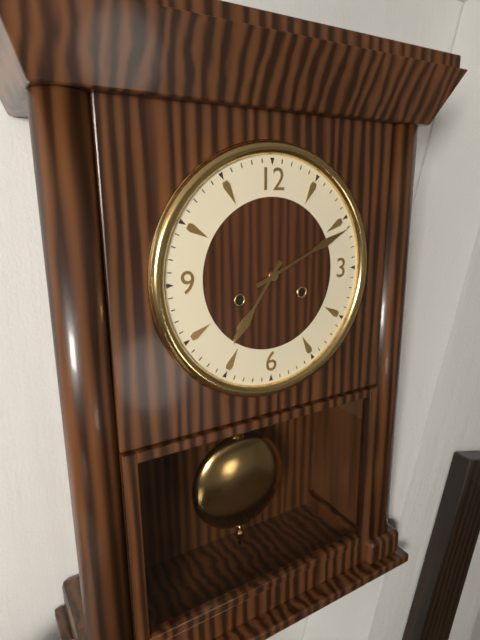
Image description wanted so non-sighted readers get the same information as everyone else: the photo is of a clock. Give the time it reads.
7:11
